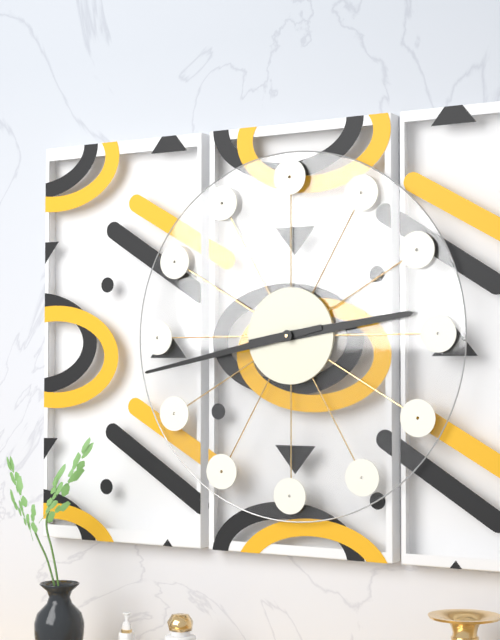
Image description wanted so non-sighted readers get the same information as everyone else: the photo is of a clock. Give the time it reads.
2:43
